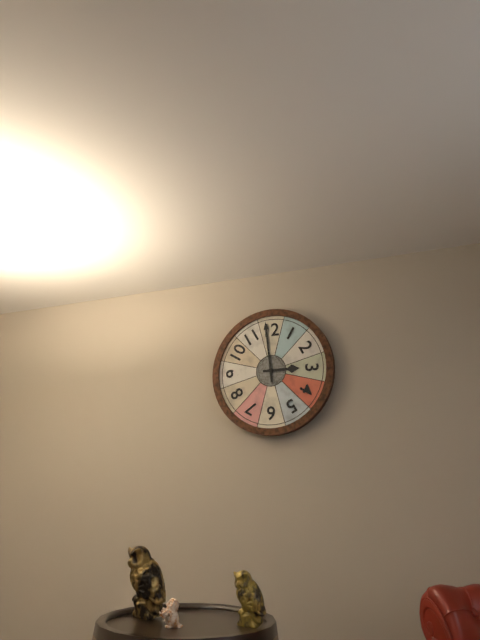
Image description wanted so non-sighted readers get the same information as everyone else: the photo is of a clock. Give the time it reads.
2:59
